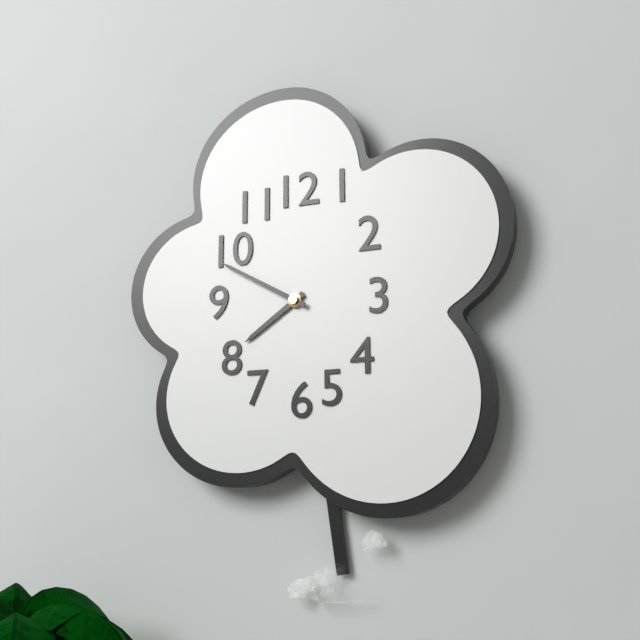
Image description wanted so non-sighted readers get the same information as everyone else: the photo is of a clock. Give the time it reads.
7:50
